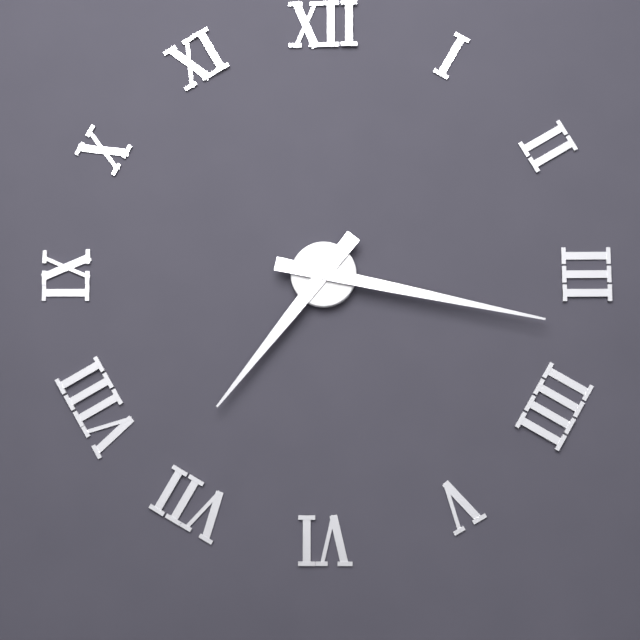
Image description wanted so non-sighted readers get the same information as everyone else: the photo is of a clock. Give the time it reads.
7:17
